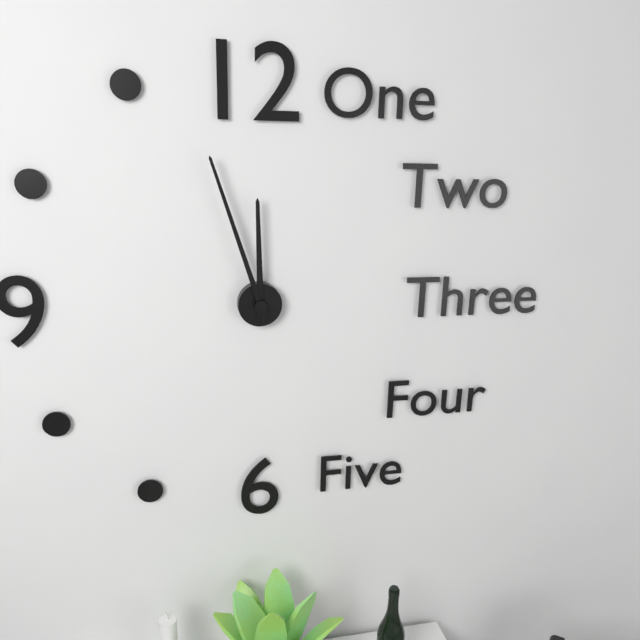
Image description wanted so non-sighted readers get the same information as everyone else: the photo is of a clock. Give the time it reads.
11:57
